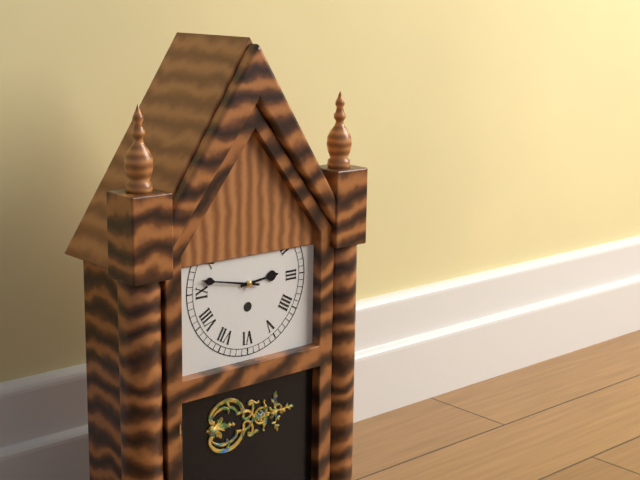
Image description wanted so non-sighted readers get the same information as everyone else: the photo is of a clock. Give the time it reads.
2:47
